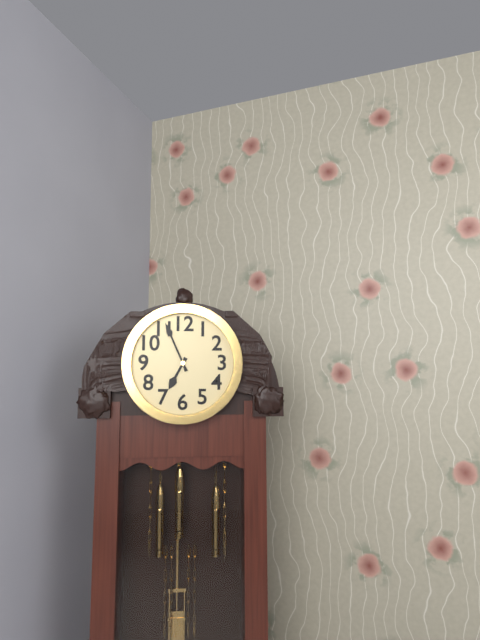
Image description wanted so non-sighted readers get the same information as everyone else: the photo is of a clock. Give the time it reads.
6:56
